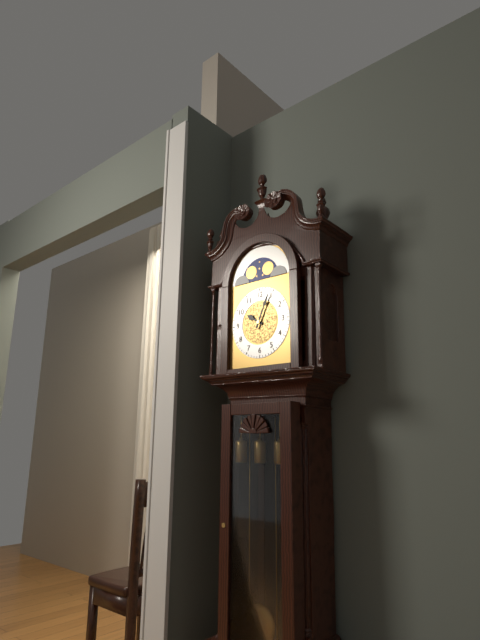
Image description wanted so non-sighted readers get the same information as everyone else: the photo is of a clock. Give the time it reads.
10:04
